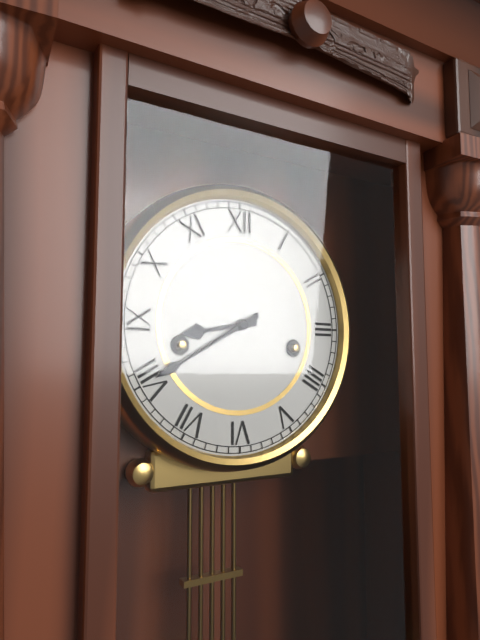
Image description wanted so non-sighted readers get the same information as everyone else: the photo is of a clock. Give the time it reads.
8:40
